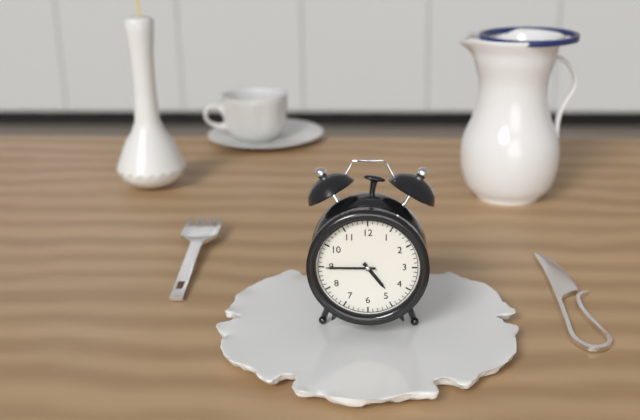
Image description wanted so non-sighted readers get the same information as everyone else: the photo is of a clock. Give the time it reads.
4:45
